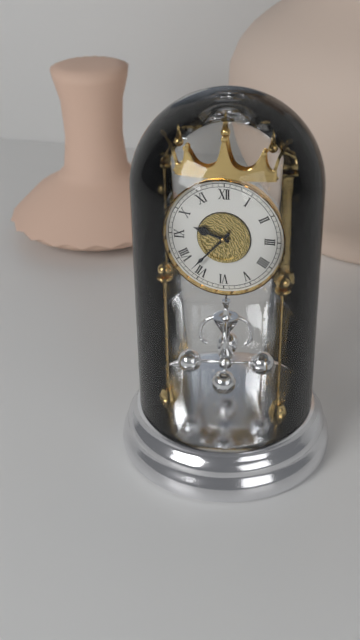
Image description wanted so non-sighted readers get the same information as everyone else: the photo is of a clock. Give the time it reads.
9:37
